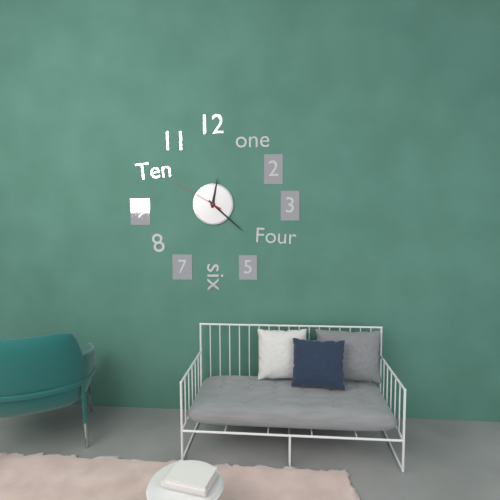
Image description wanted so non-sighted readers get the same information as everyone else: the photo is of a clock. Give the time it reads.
12:22:50
